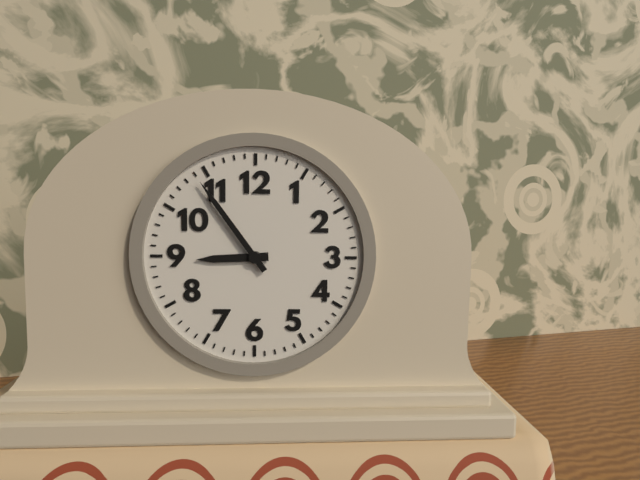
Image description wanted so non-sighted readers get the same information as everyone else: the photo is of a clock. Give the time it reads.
8:54
